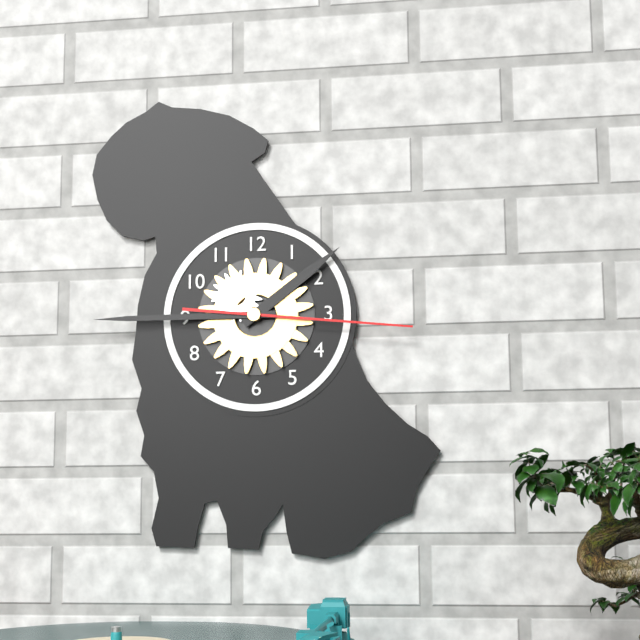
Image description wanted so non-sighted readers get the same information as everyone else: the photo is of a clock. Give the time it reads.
1:45:16
